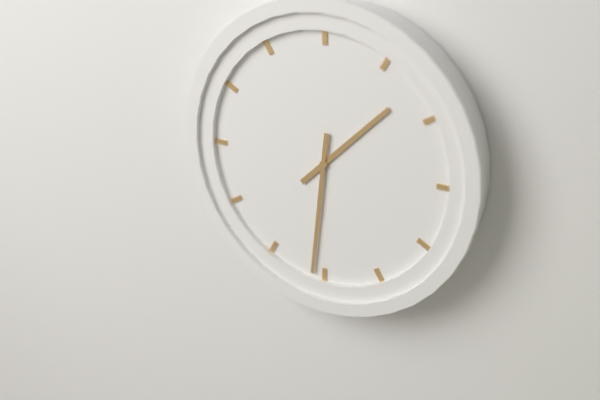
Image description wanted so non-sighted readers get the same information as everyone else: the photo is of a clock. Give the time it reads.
1:31
